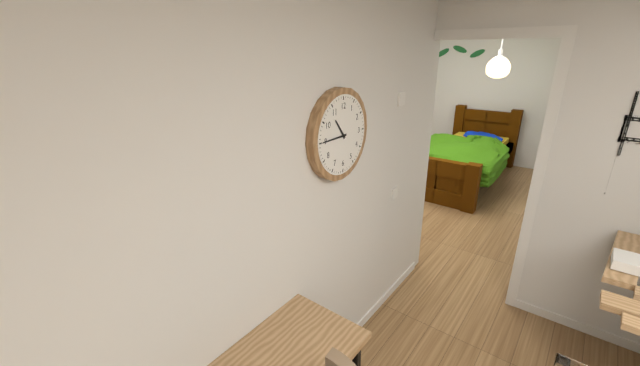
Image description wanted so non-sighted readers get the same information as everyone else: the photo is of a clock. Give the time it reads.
10:45
